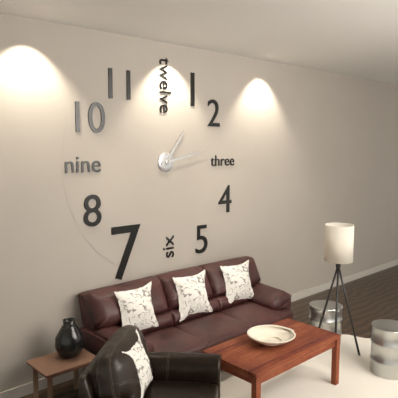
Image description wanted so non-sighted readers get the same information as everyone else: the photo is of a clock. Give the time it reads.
1:13
